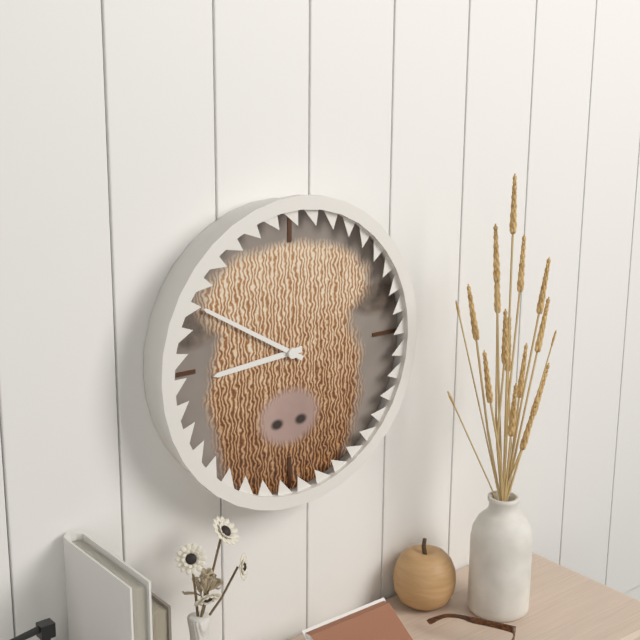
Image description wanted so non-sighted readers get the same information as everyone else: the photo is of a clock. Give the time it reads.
8:50
